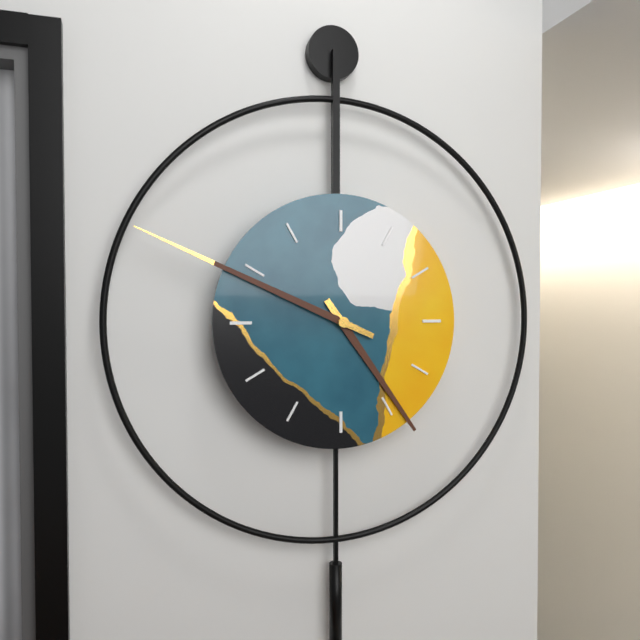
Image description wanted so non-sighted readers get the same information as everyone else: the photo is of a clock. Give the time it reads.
4:49
